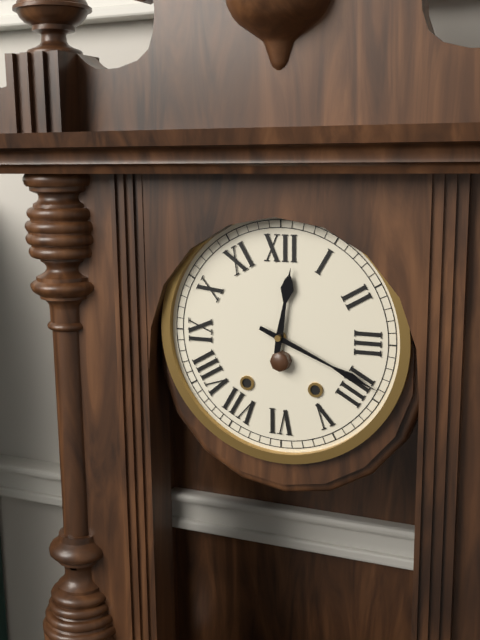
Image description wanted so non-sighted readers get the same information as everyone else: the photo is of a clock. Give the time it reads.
12:19
